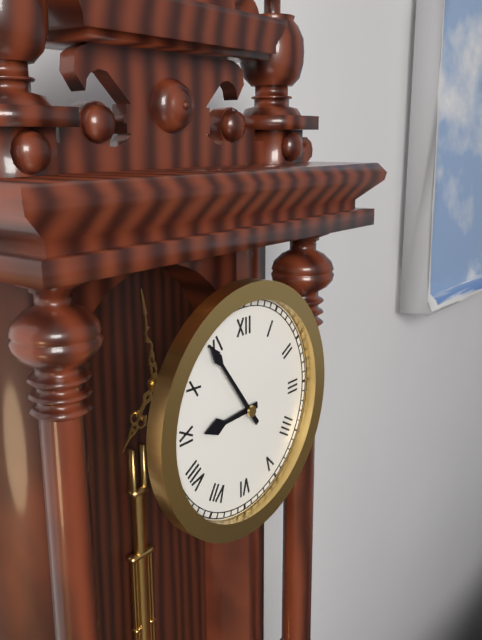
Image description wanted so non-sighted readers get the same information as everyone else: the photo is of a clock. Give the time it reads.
8:54
